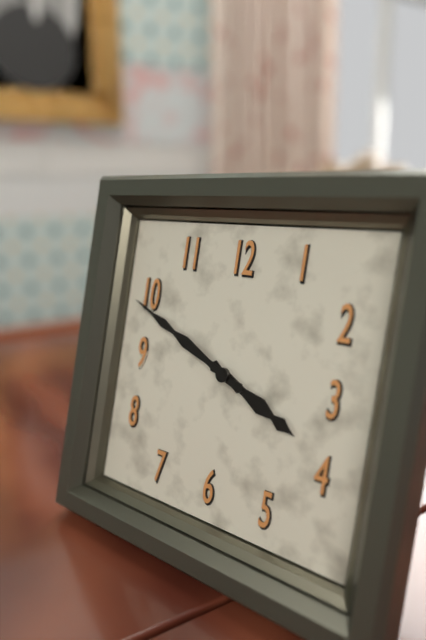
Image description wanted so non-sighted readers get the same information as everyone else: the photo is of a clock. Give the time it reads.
3:49
